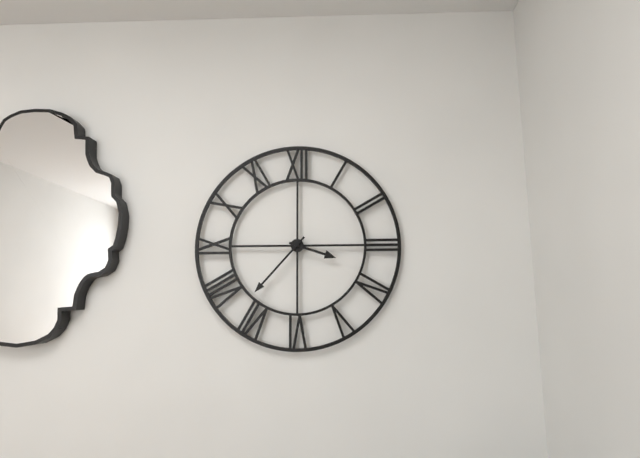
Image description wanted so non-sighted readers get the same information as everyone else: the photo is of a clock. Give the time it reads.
3:37
